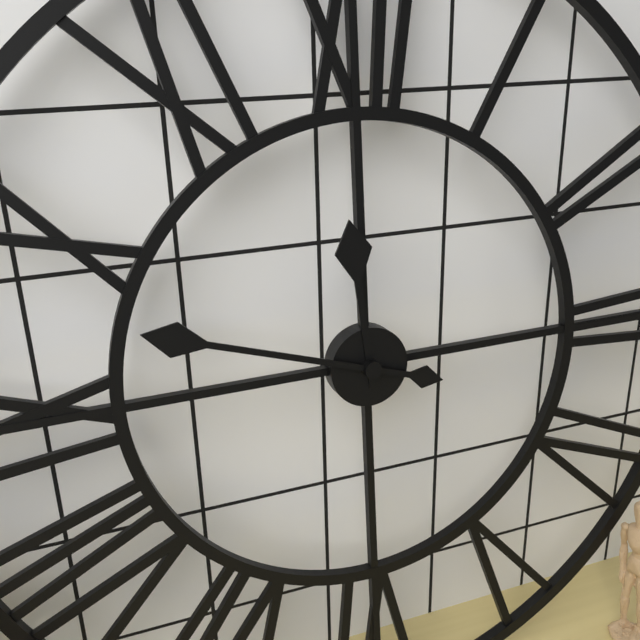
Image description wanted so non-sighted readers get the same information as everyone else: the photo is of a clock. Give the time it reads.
11:48
